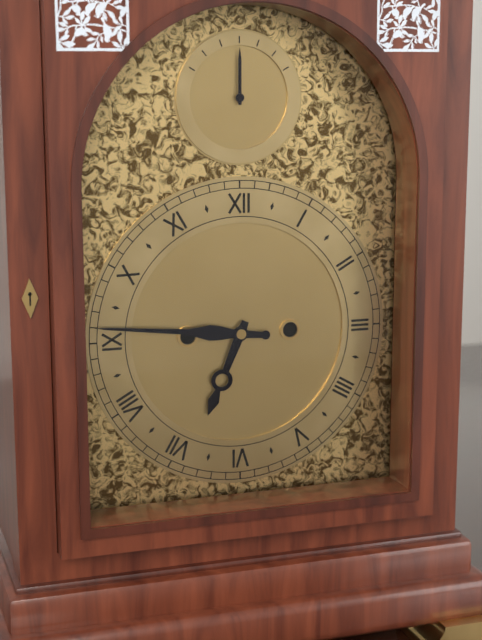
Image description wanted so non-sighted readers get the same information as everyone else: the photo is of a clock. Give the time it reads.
6:46
